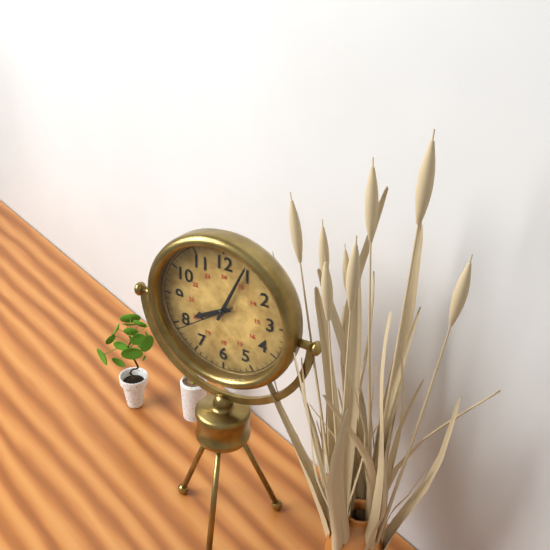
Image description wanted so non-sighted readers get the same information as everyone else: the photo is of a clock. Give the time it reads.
8:04:39
